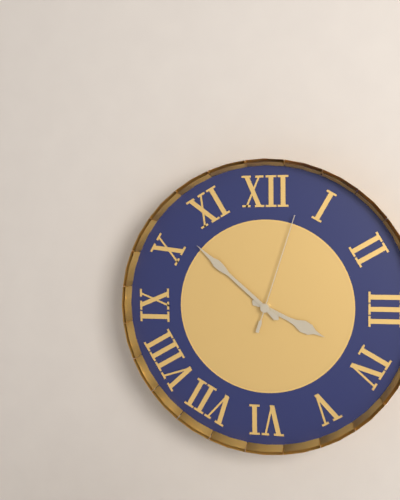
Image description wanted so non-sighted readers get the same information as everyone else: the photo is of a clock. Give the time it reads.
3:52:03
